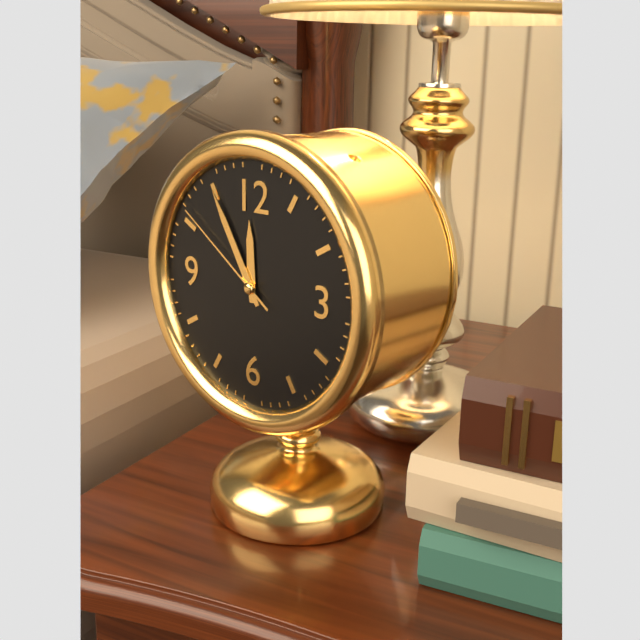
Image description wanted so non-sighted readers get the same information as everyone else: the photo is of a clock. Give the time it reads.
11:55:51
